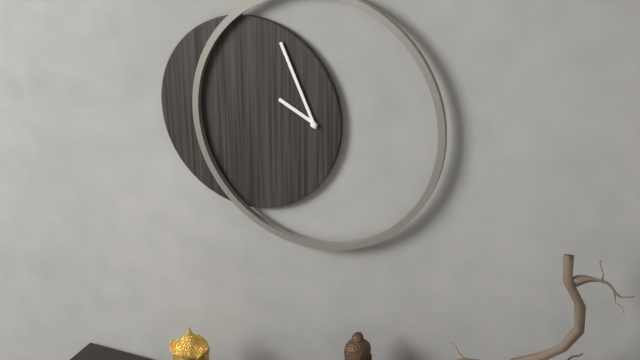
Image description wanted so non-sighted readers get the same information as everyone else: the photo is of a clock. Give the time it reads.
9:56
